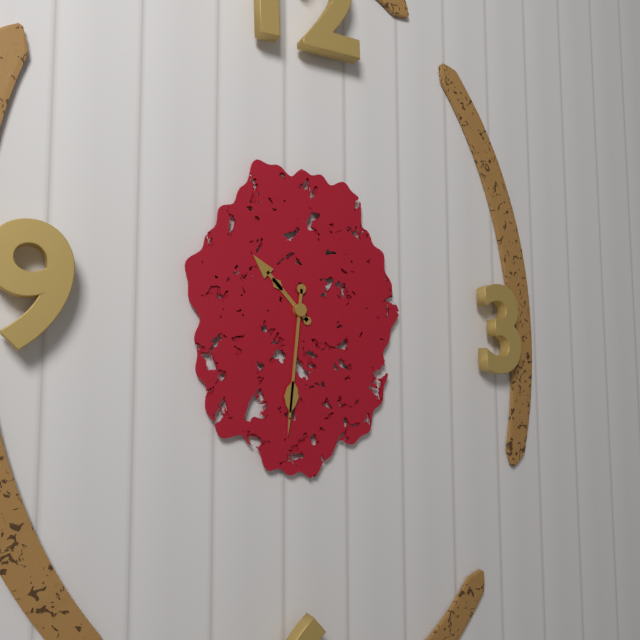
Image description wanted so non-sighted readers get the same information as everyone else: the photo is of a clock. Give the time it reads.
10:31
